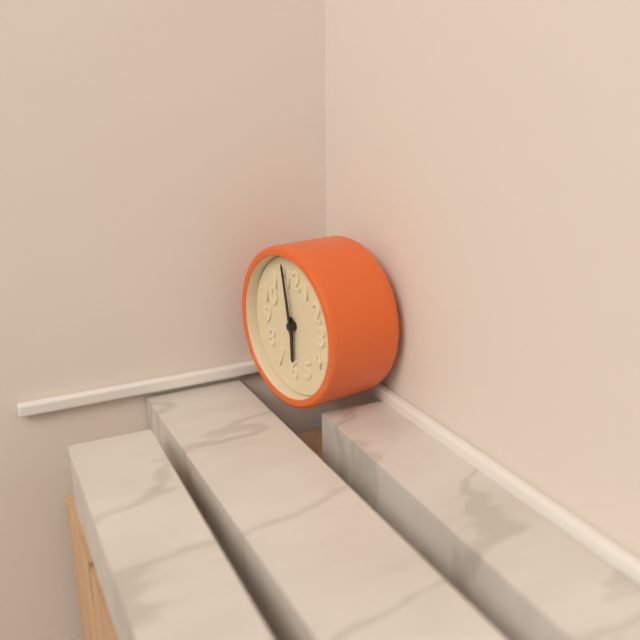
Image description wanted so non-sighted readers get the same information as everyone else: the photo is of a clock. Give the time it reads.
5:58
